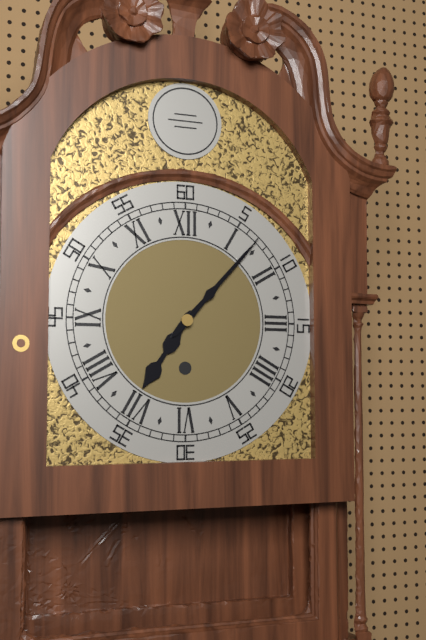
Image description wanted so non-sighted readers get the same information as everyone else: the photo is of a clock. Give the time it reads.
7:07
